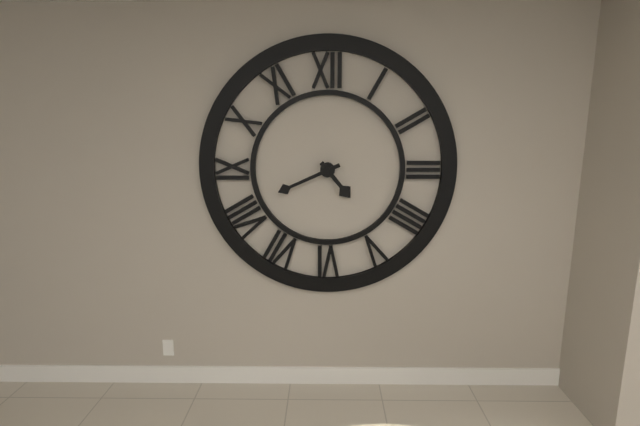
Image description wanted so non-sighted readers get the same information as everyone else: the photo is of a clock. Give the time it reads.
4:41
